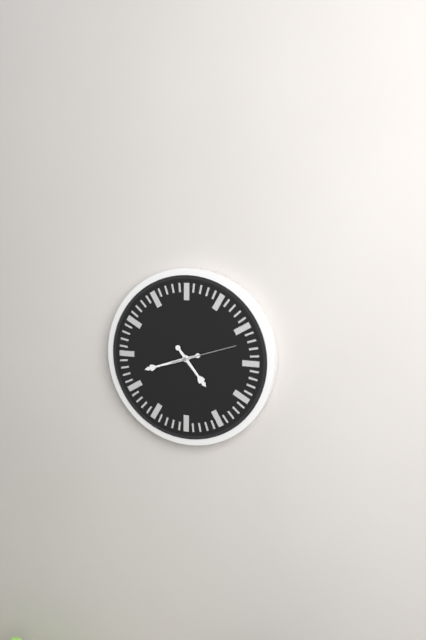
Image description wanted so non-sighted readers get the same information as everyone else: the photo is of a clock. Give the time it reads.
4:42:12
